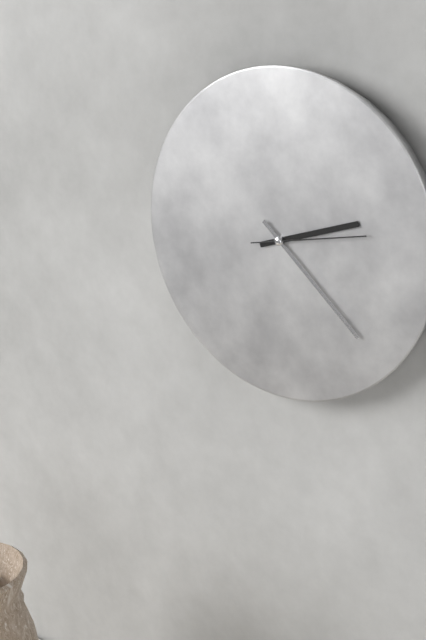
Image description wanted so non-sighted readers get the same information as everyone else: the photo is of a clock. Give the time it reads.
2:22:13
